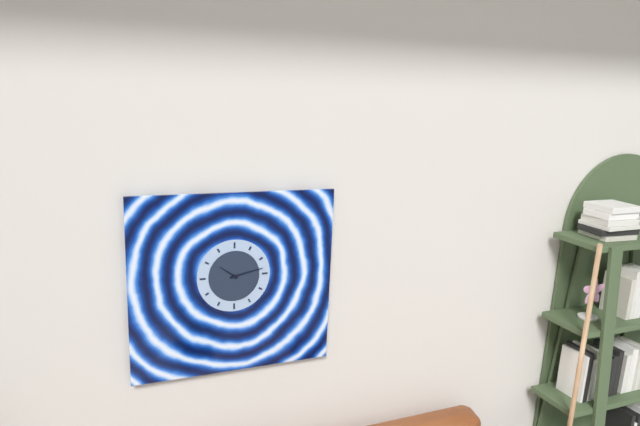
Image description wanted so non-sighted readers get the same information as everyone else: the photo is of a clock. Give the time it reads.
10:13
